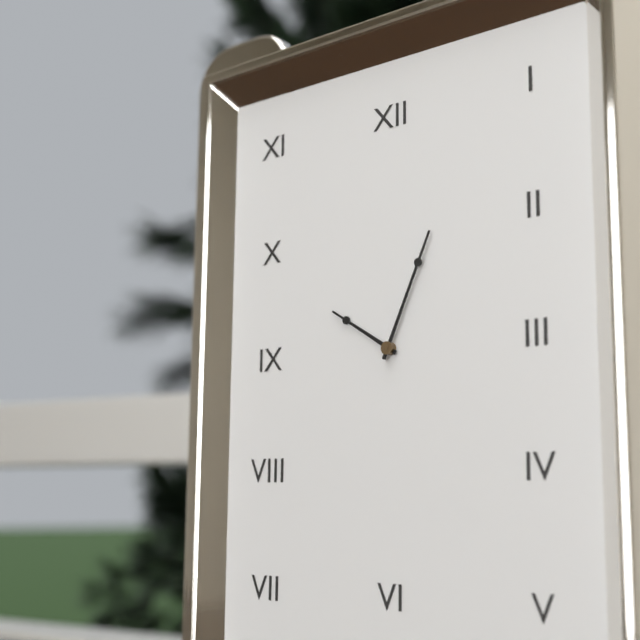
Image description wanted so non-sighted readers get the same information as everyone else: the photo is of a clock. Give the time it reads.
10:04
